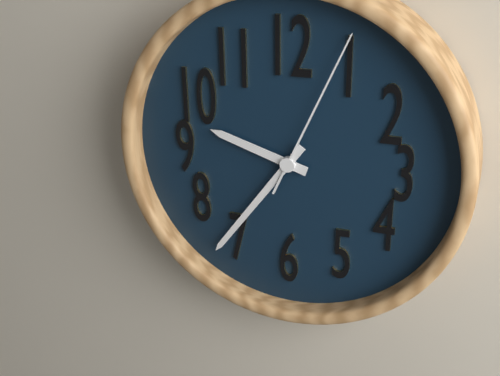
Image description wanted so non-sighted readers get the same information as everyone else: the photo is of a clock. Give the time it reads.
9:36:04
